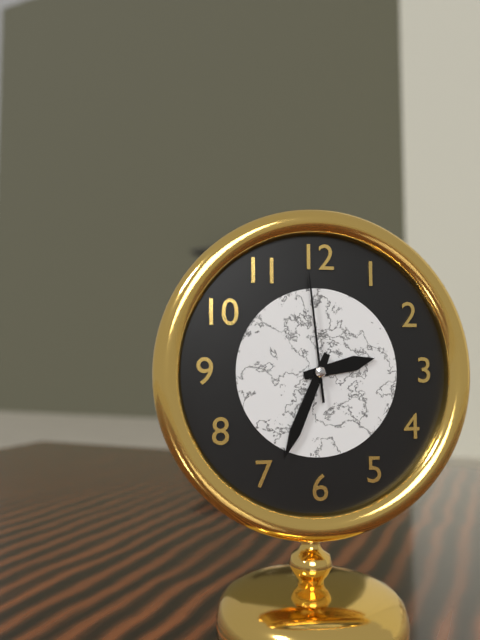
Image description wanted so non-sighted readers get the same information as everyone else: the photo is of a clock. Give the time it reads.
2:34:59
